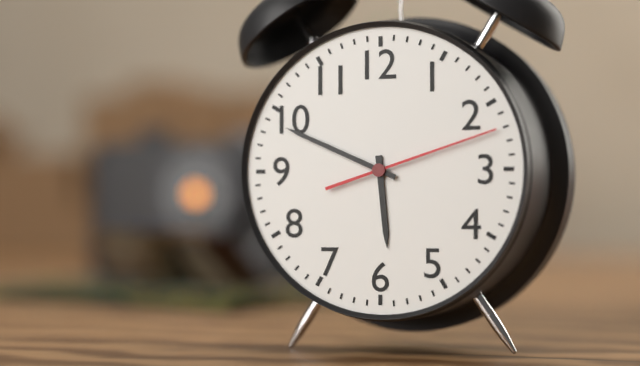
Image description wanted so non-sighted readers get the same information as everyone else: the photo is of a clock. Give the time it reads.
5:49:12
